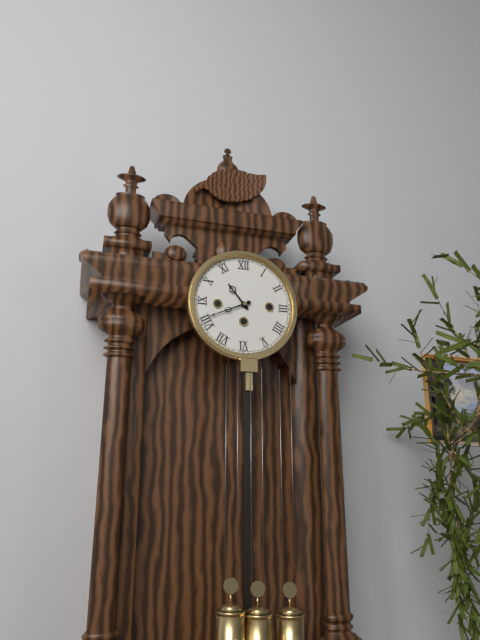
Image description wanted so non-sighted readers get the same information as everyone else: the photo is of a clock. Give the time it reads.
10:41
